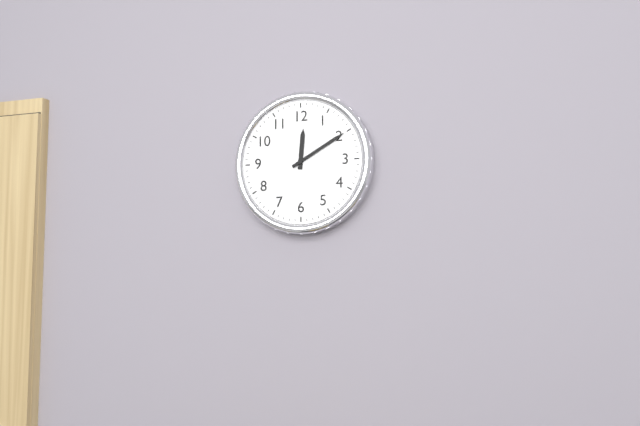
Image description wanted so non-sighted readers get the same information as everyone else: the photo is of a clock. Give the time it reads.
12:10
